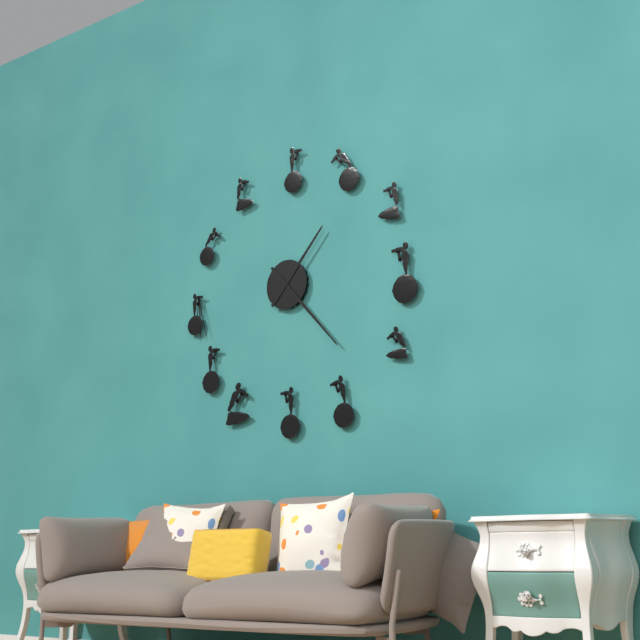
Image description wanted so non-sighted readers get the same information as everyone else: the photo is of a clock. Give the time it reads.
1:23
